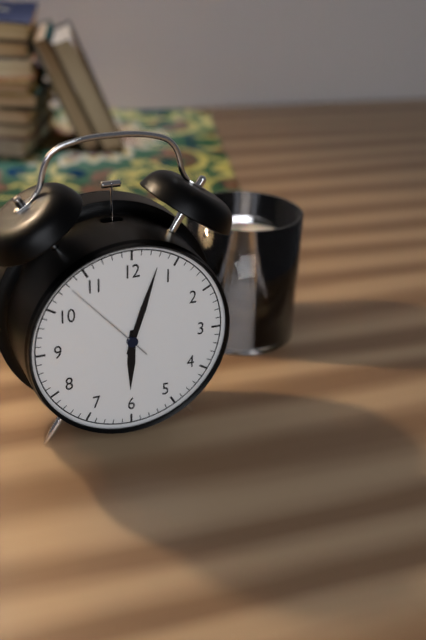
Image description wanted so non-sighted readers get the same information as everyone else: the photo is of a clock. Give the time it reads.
6:03:53
